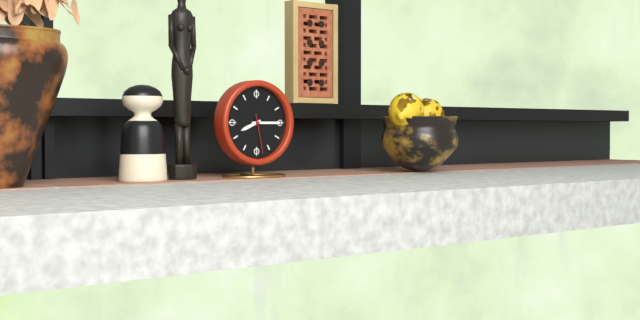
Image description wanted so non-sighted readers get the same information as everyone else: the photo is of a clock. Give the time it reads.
8:15
